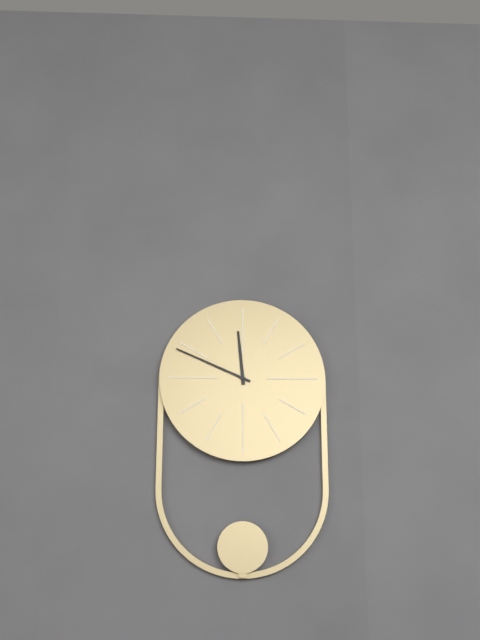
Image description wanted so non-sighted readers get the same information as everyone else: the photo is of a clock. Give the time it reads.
11:49
